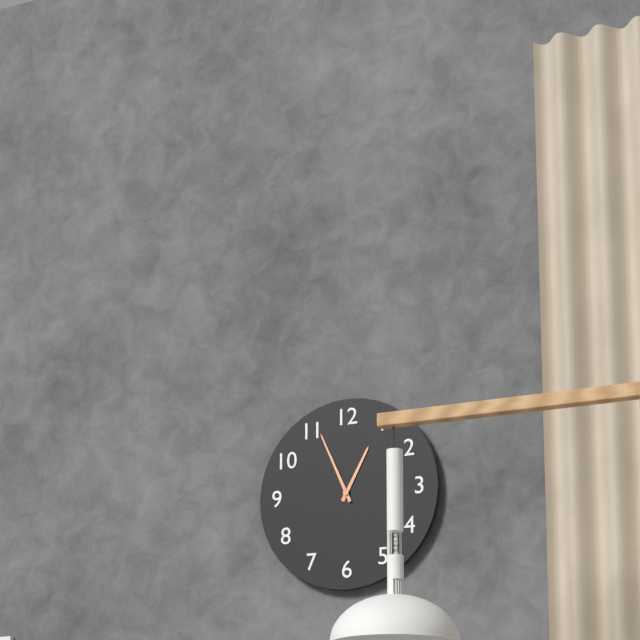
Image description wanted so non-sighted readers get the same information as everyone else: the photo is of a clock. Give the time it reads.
12:56
